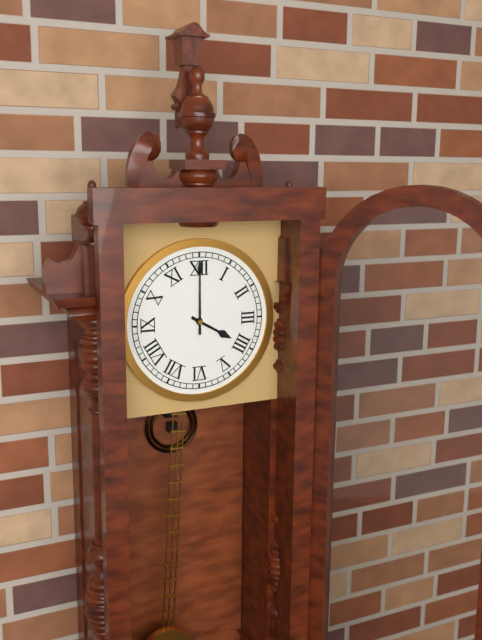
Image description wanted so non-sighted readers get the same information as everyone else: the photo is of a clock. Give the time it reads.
4:00
